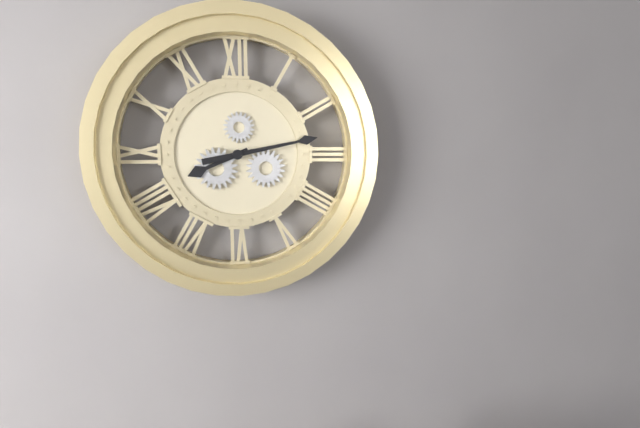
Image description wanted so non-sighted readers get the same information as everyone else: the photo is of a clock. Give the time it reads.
8:13
